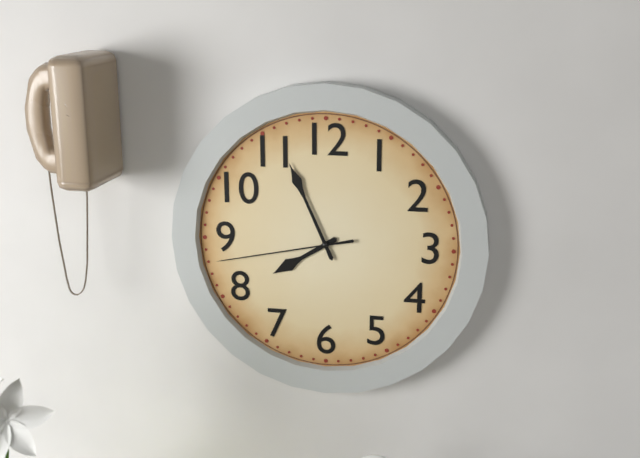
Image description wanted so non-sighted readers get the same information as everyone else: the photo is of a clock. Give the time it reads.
7:56:43
